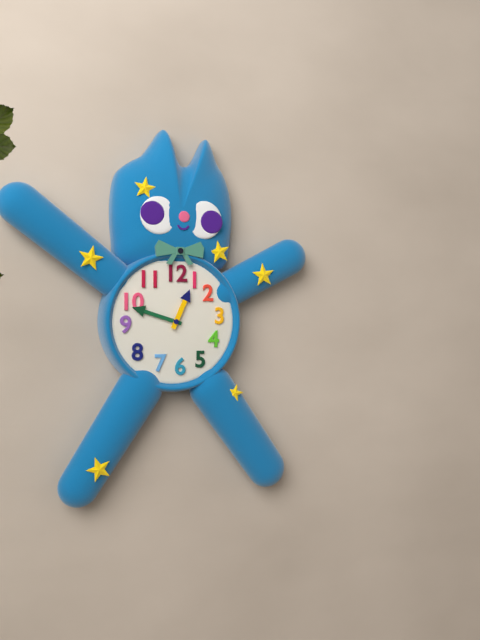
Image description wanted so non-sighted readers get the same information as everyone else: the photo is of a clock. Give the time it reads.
12:48
